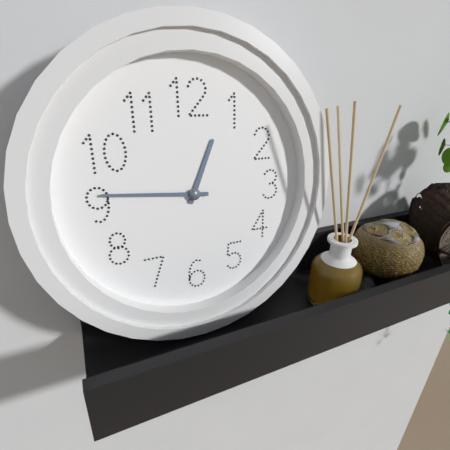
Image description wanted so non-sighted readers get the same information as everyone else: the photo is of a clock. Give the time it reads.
12:46
